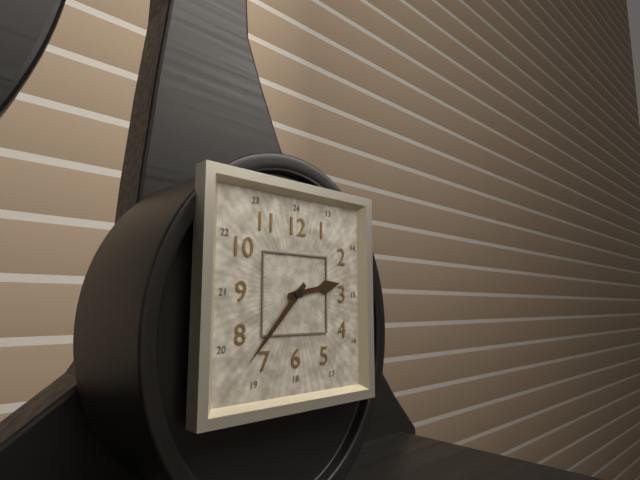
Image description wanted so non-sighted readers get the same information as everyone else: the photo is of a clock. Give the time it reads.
2:37
